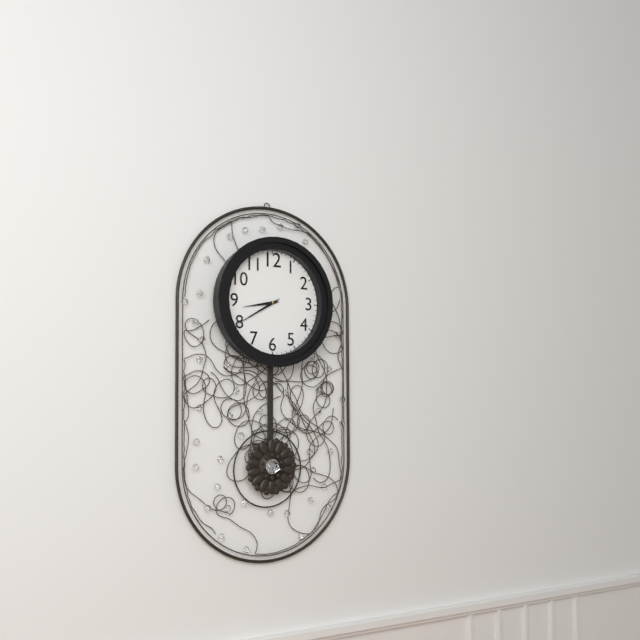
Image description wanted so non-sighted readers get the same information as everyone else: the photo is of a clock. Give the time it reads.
8:40
